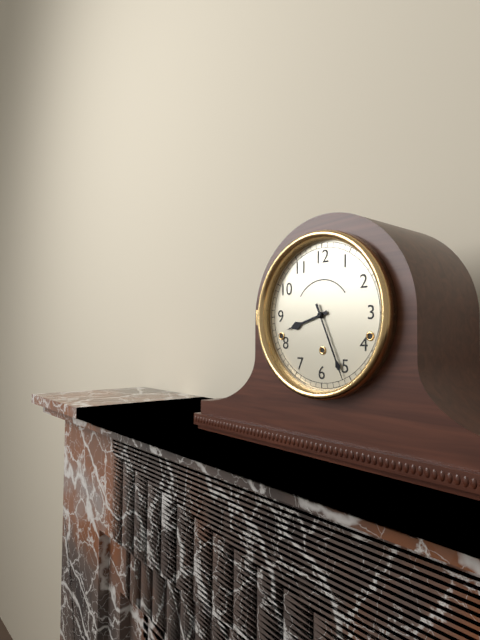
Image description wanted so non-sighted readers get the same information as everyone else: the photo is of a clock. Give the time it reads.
8:26
